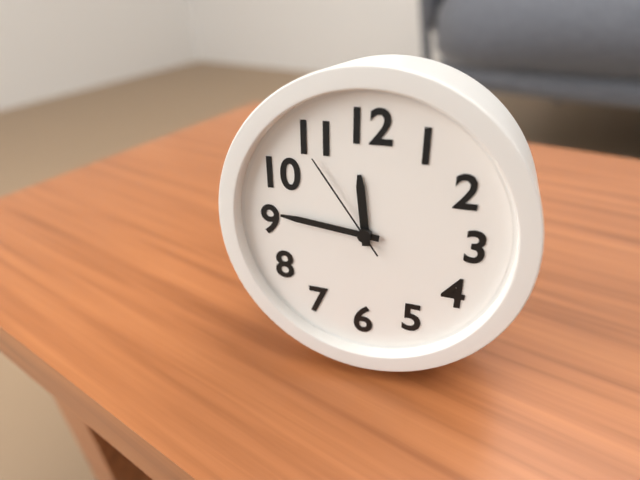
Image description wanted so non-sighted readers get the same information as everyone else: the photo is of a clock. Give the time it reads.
11:46:54
